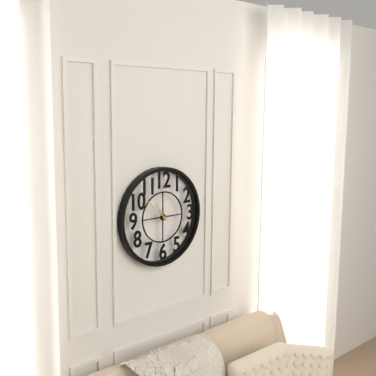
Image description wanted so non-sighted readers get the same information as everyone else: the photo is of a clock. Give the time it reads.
10:52
